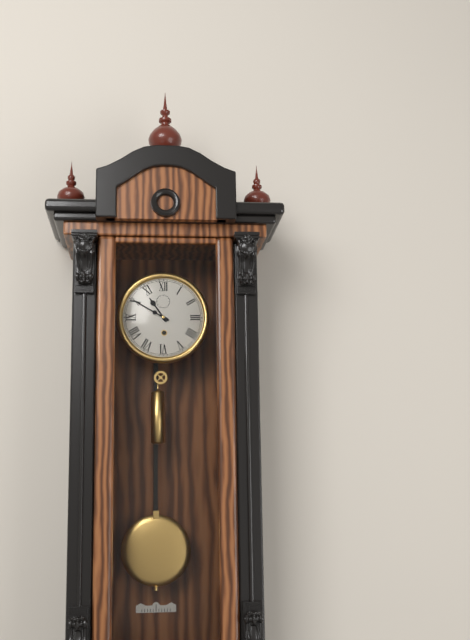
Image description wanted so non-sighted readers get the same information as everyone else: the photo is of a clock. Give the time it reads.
10:50
